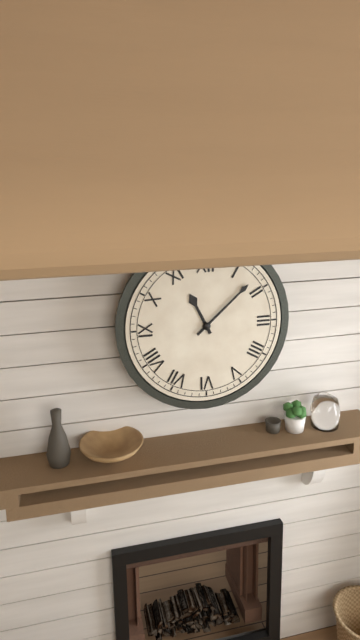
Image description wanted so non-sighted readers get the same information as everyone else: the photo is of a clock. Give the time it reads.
11:08
